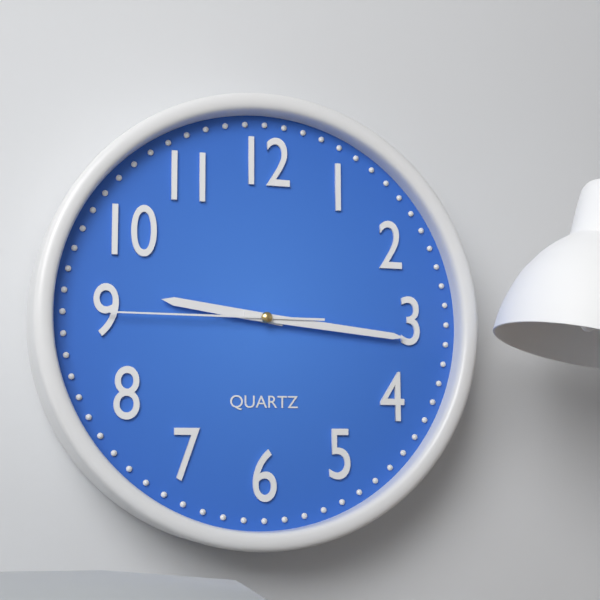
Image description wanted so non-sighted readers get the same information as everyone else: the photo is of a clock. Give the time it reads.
9:16:45
